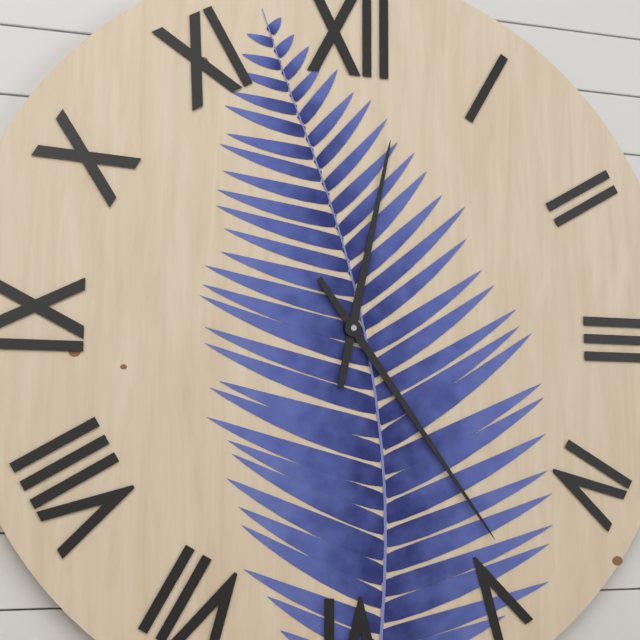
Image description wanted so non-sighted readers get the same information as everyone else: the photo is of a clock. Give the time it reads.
12:24
